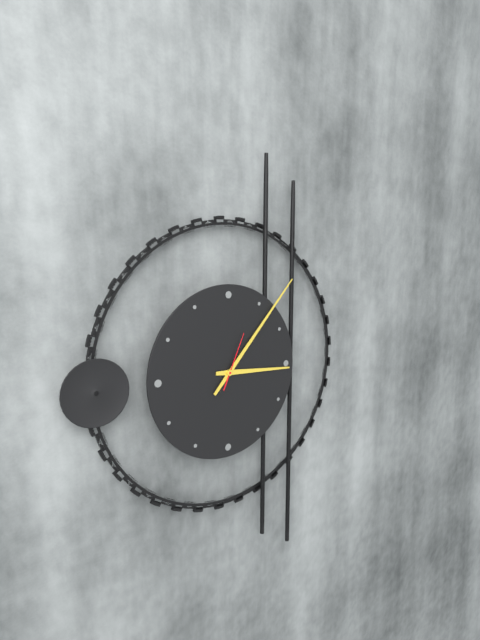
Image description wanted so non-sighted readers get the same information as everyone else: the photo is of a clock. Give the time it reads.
3:07:04
